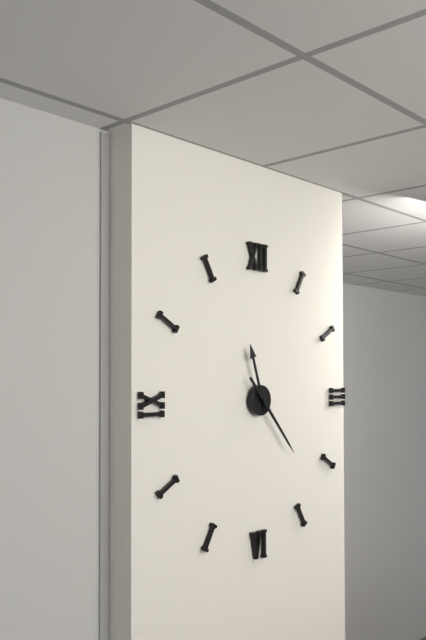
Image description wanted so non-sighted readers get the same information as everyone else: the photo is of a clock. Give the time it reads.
11:23
